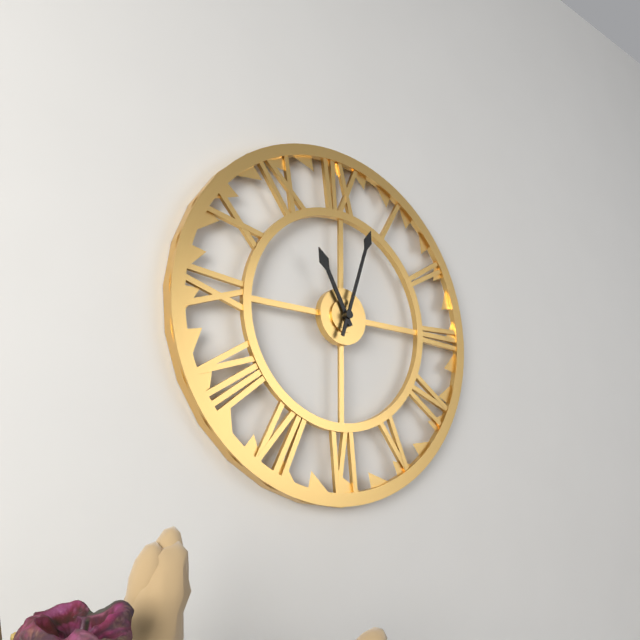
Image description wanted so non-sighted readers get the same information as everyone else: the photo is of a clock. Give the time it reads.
11:03
